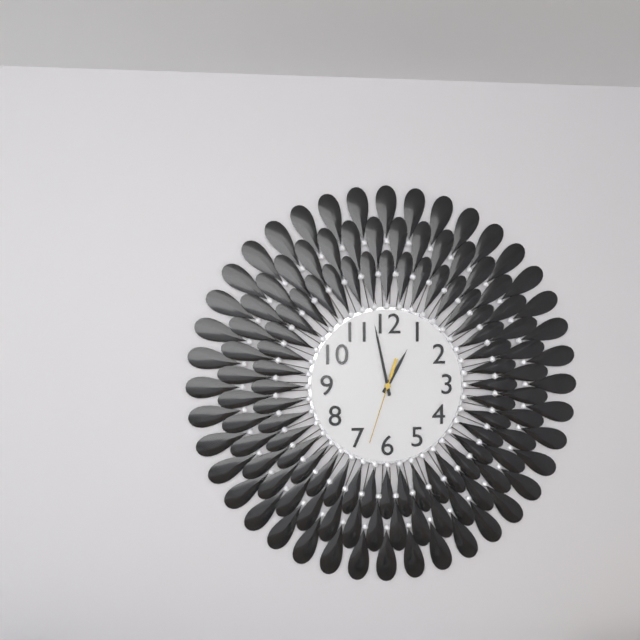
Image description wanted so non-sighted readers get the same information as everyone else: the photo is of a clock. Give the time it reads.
12:58:33
